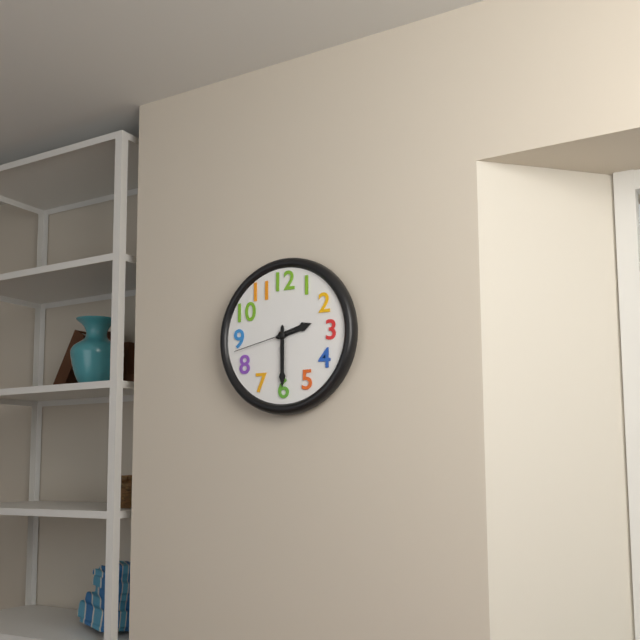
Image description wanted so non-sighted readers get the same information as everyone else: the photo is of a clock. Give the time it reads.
2:30:43
